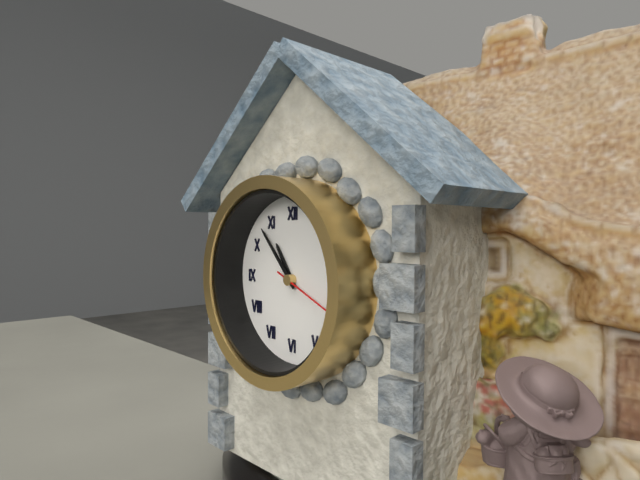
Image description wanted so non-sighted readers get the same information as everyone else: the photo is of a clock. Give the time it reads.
10:53:19
